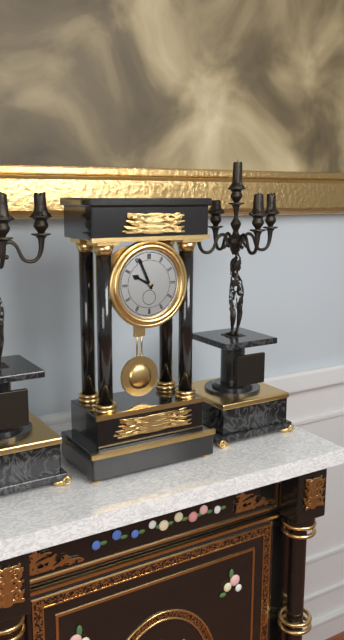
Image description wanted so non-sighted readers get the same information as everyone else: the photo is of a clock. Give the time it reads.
9:56
